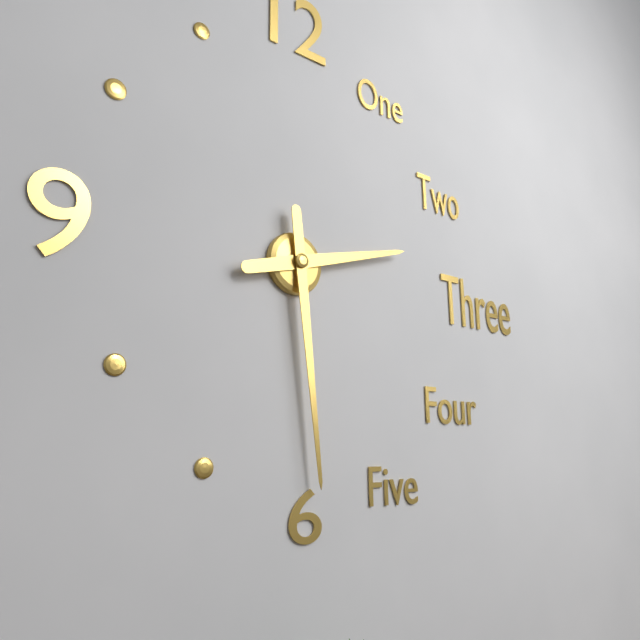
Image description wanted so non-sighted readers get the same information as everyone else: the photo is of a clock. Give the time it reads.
2:29
